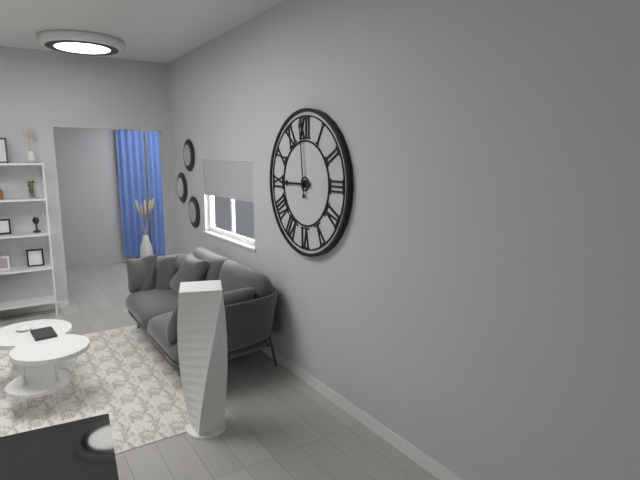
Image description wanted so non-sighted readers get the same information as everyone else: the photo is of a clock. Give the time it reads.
8:59
